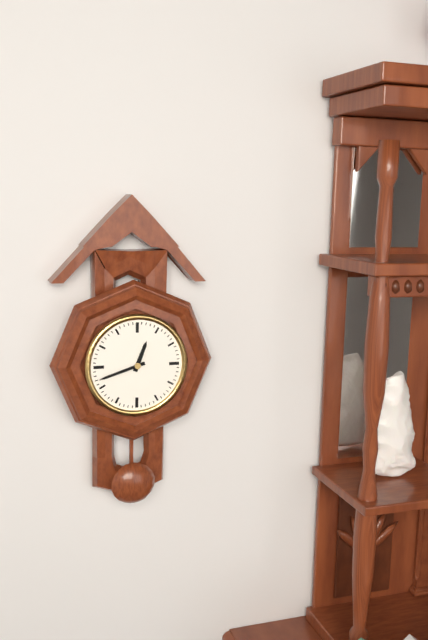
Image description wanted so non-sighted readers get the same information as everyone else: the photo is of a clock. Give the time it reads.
12:42
